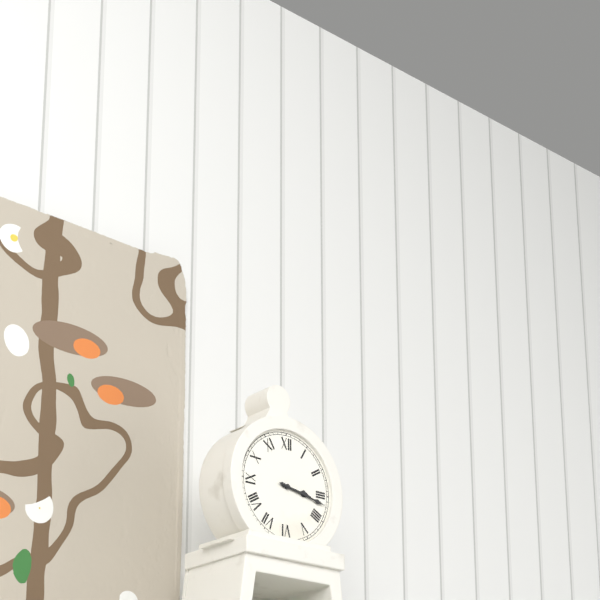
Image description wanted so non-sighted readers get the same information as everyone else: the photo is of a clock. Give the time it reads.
3:17
